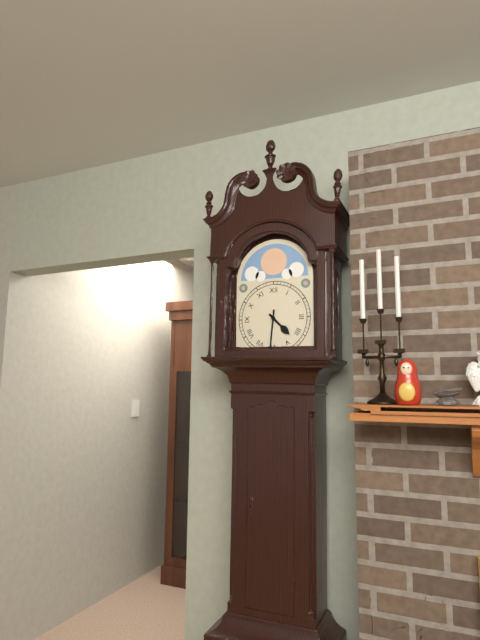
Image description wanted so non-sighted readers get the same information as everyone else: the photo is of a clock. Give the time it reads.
4:31
